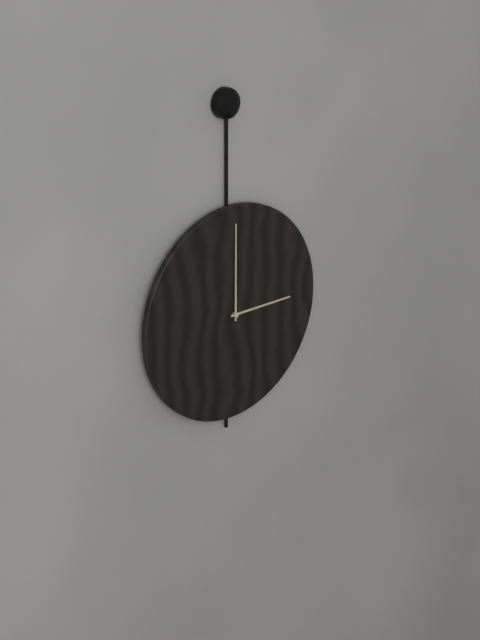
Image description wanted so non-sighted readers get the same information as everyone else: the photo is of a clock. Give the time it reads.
3:00
